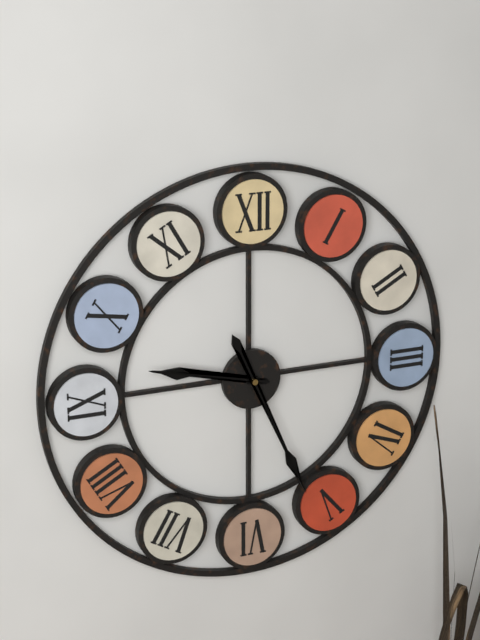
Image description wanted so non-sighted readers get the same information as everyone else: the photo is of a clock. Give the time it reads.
9:26
